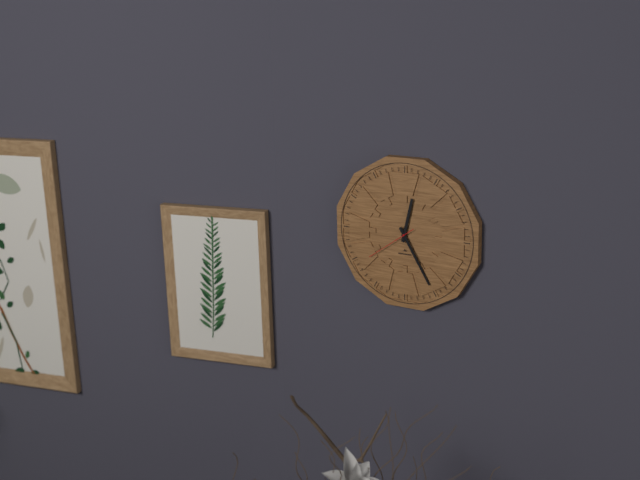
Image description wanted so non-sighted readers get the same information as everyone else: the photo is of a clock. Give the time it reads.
12:25:39
